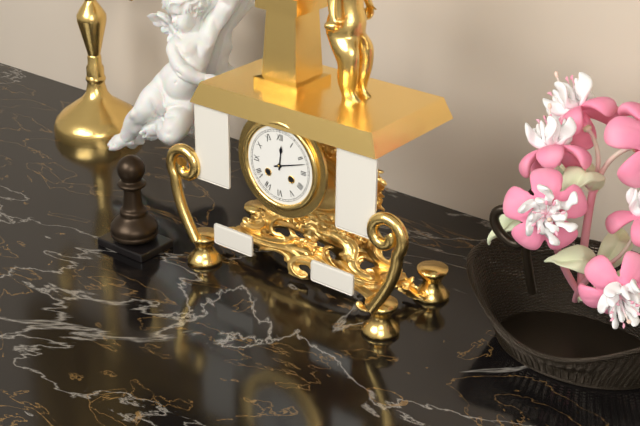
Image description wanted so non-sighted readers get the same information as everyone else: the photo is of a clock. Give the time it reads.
12:12
